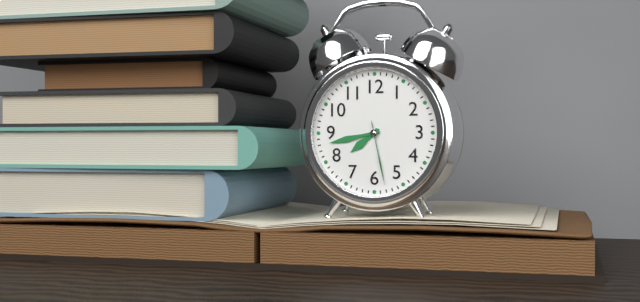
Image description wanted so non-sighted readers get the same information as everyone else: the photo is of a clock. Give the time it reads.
7:43:28
